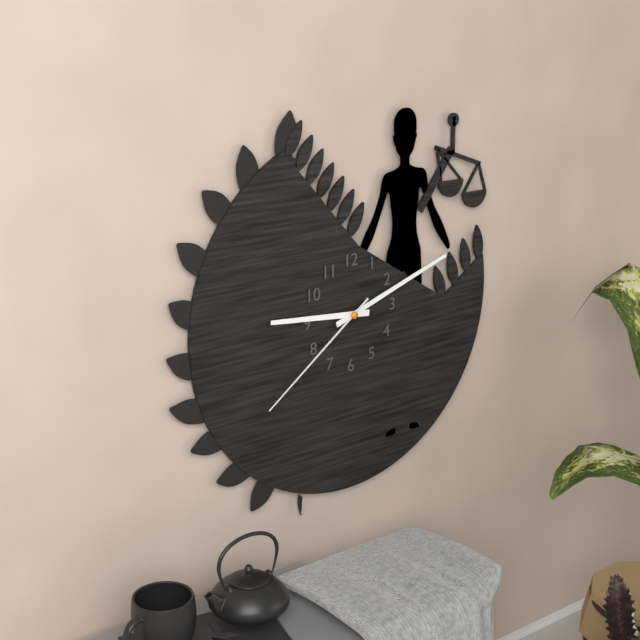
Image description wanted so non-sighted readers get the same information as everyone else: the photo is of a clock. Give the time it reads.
9:12:39
